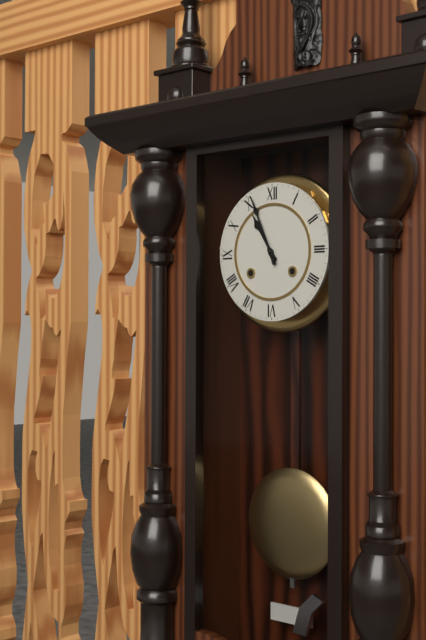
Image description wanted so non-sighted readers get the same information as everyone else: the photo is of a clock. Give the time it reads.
10:56
